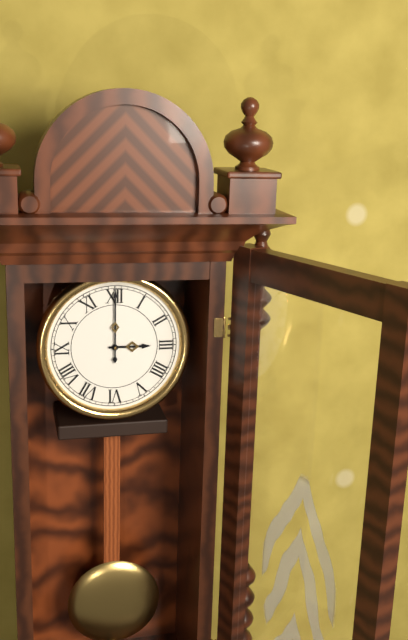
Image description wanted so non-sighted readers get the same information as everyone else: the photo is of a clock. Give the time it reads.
3:00
